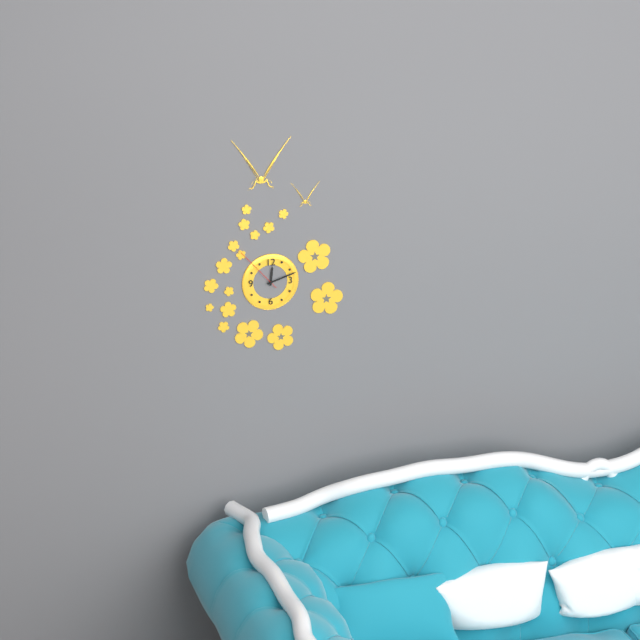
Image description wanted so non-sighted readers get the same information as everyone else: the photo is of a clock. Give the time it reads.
12:12:53
